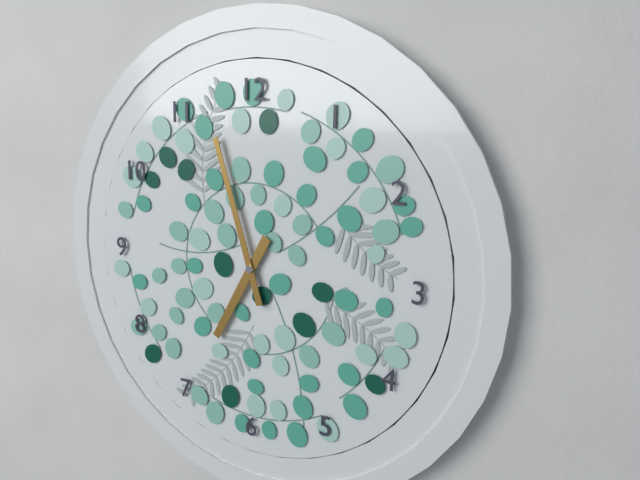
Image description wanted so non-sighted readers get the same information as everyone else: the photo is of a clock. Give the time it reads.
6:57
